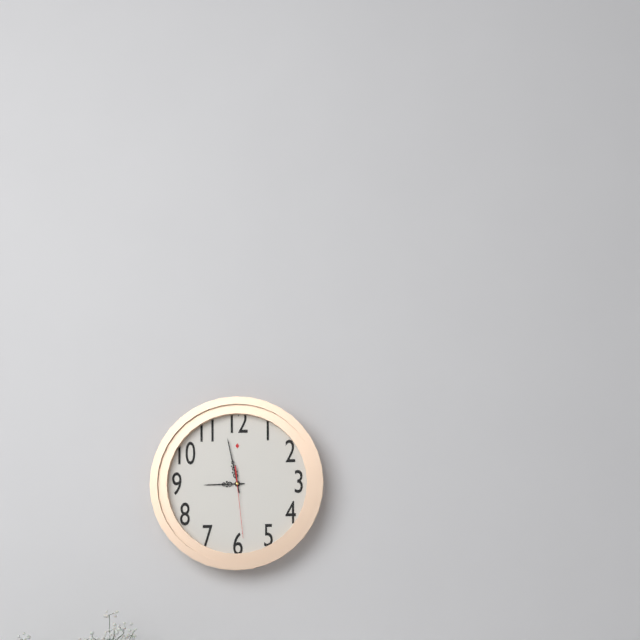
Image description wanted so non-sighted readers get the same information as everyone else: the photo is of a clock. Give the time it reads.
8:58:29
